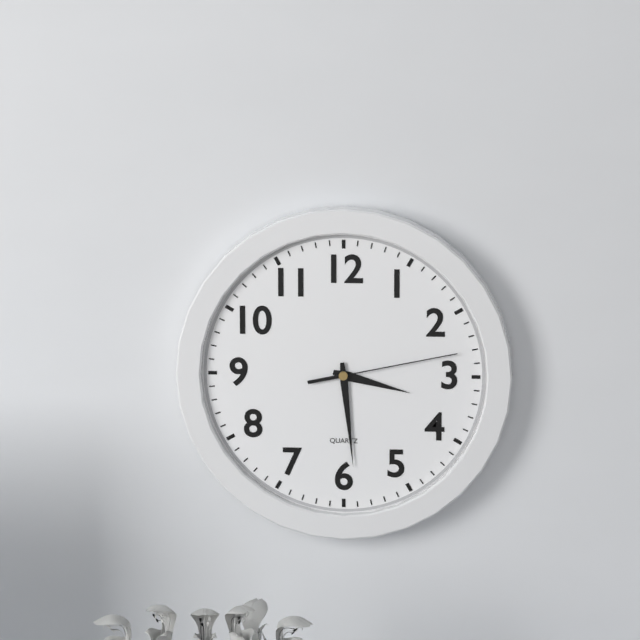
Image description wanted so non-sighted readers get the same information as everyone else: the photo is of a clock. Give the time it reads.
3:29:13
